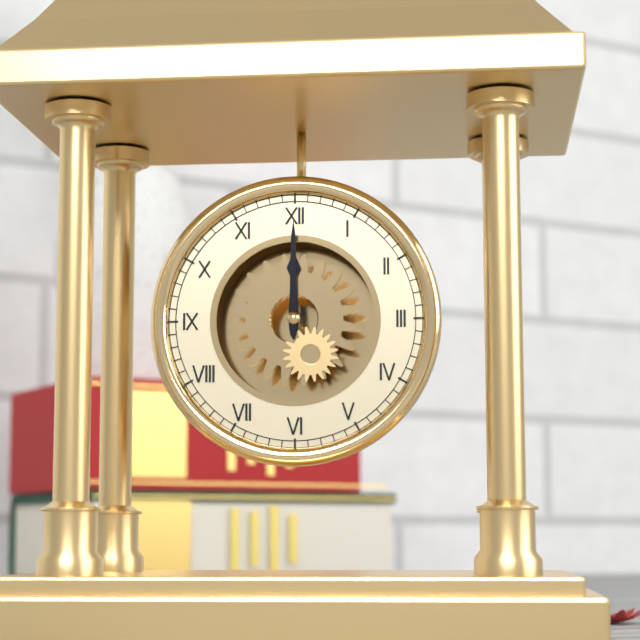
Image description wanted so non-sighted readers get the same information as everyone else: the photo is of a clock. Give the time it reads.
12:00
